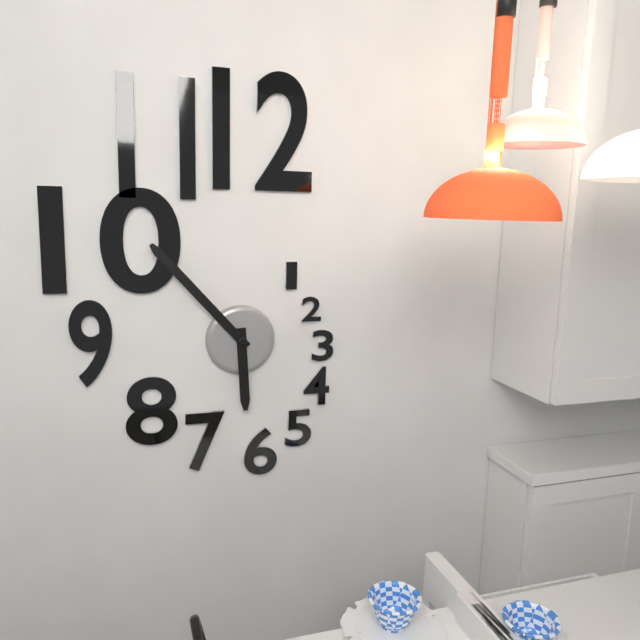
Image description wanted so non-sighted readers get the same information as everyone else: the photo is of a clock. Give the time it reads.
5:53
